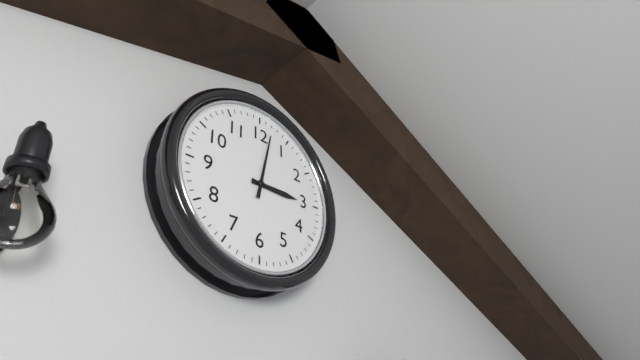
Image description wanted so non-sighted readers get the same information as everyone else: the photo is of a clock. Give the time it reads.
3:02
